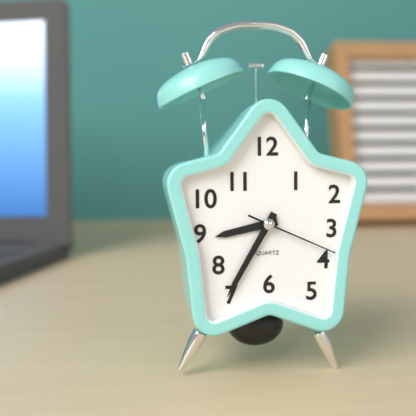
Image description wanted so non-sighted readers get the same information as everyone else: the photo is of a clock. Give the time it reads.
8:35:19
